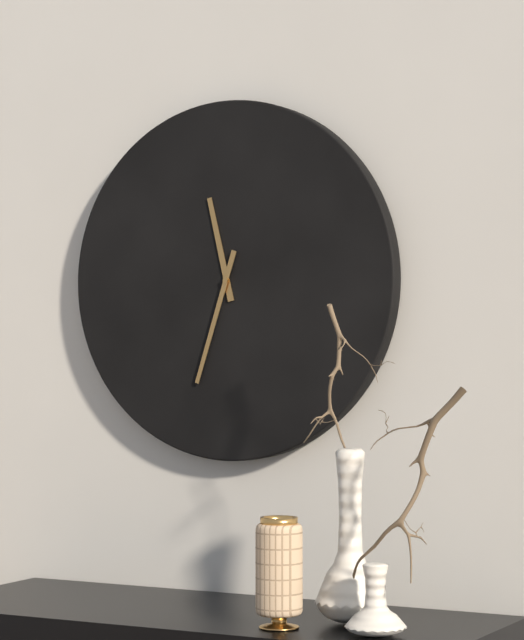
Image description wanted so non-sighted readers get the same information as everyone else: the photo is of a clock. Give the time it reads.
11:33
